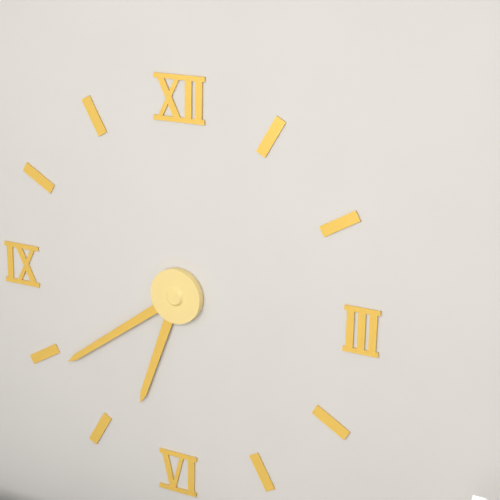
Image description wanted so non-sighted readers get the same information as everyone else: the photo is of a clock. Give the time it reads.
6:39
